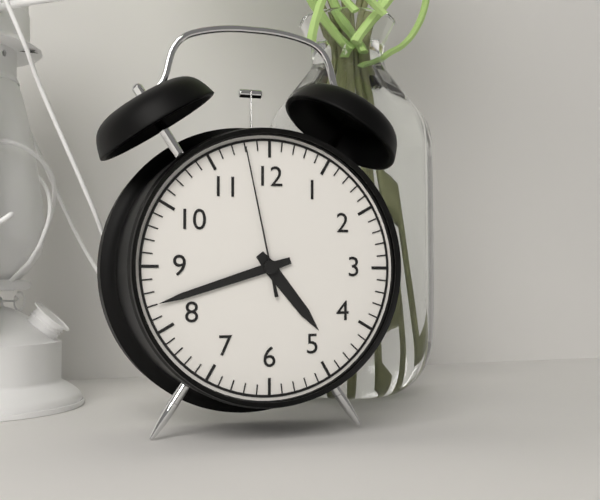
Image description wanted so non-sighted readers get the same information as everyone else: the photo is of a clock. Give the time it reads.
4:42:58
